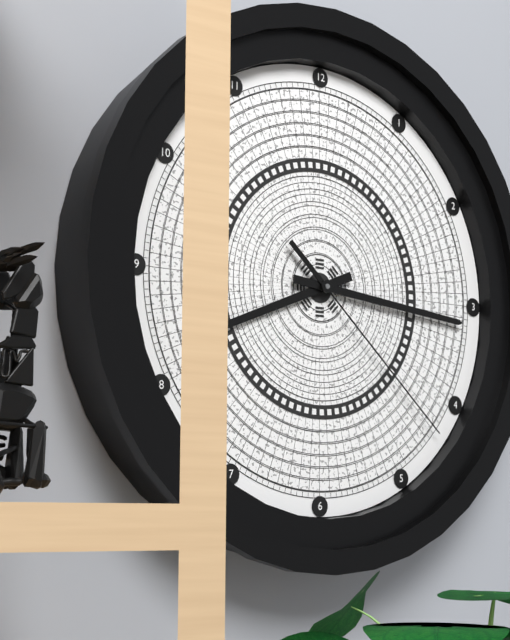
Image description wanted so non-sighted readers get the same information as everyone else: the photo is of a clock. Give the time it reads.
8:16:22
